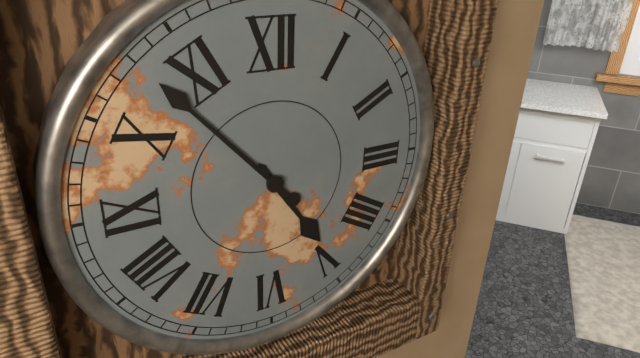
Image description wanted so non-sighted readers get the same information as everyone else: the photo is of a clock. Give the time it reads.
4:53
